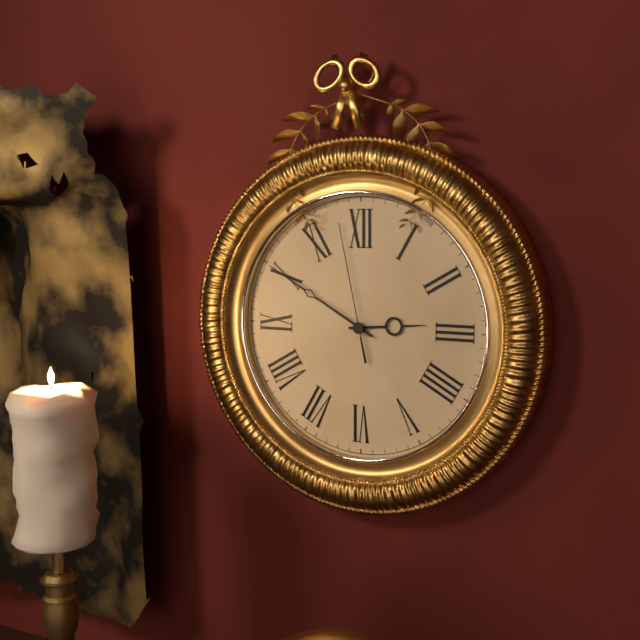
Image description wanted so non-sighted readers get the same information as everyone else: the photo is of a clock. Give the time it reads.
2:50:58
